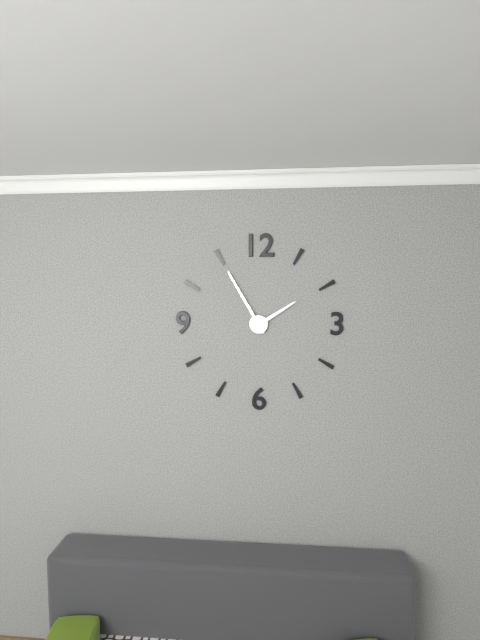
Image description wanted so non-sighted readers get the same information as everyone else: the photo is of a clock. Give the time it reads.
1:55
